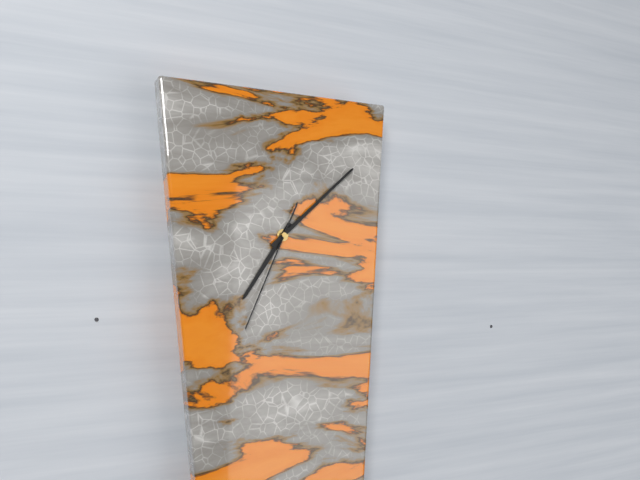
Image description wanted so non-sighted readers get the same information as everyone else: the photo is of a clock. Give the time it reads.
7:08:34
